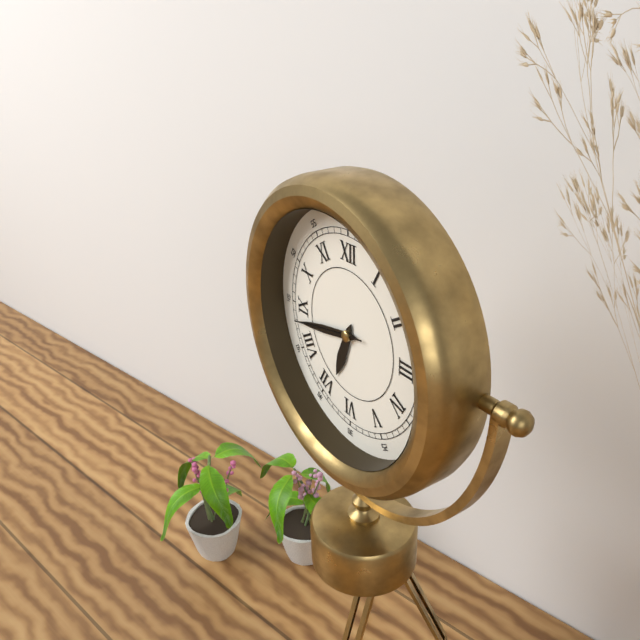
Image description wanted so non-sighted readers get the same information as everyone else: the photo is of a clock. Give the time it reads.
6:43:43
